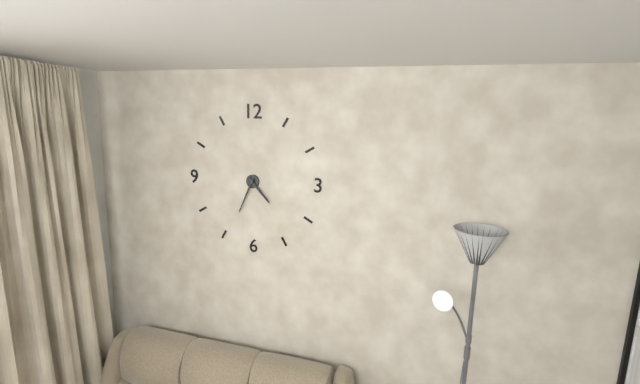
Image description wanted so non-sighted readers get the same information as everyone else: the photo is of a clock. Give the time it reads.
4:34
